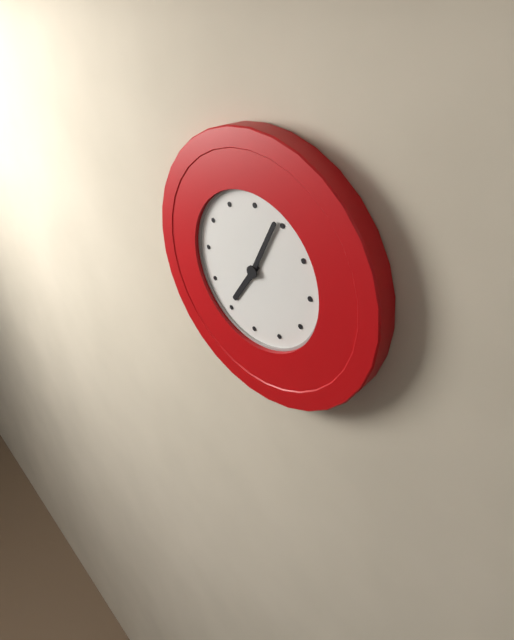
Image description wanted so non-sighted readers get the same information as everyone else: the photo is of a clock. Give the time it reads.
7:04
